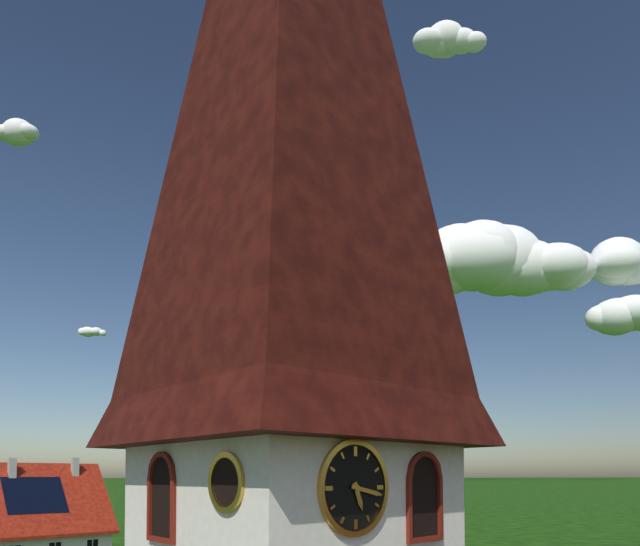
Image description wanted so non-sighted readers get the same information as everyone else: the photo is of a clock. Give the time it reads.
5:17
